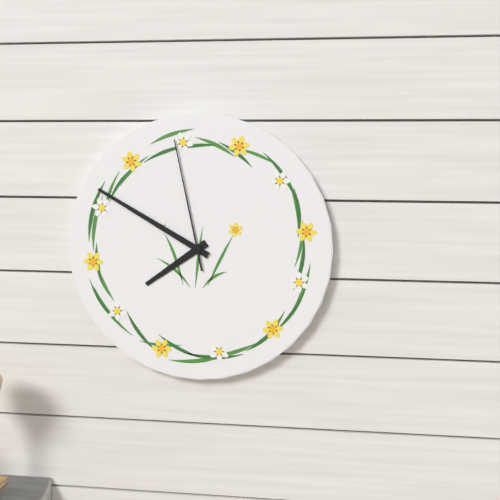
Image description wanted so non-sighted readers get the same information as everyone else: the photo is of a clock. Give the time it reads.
7:50:58
